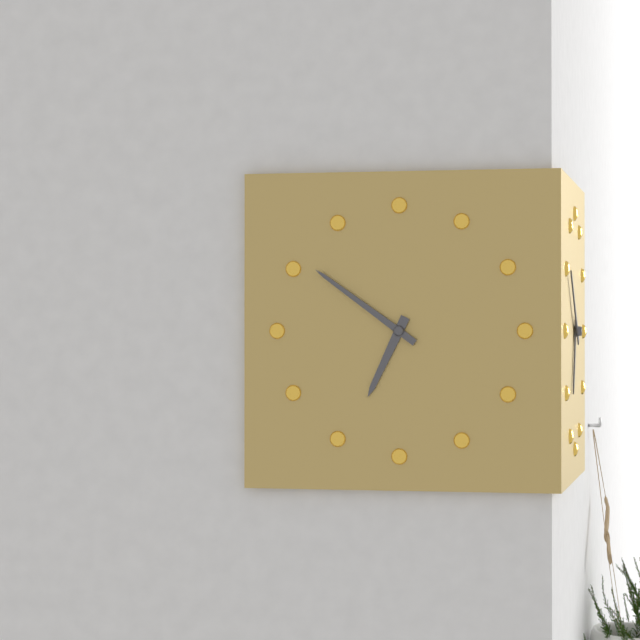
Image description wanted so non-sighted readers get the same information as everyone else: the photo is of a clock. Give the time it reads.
6:51
